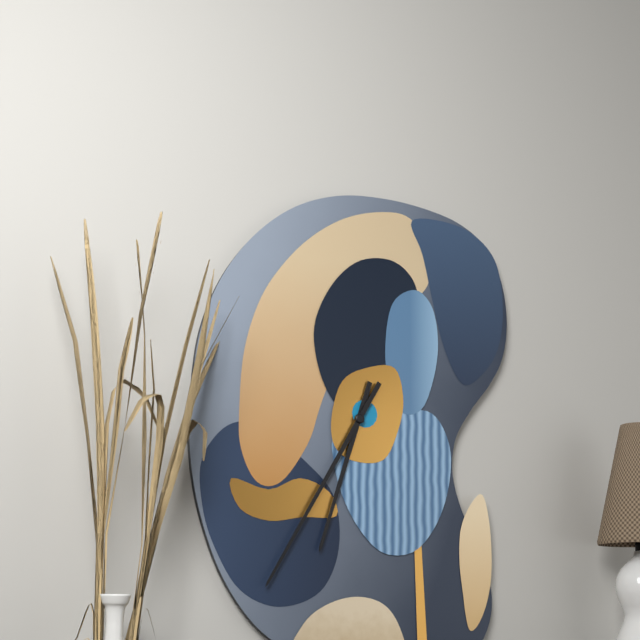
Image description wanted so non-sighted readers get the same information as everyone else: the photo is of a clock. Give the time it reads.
6:35
